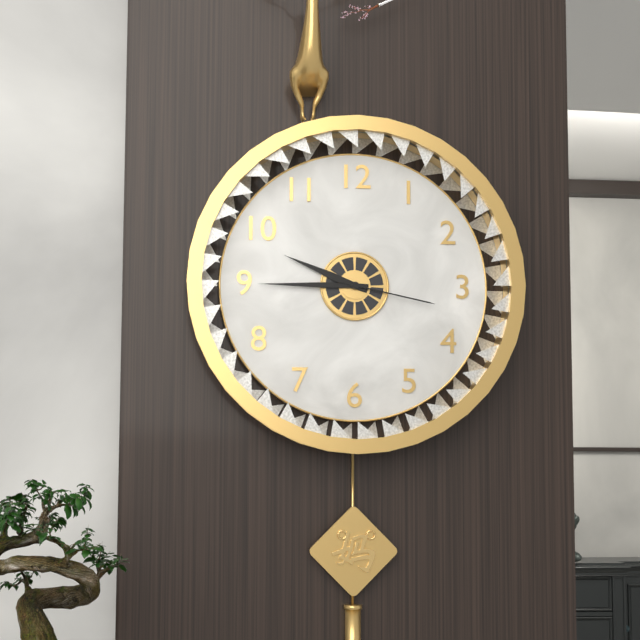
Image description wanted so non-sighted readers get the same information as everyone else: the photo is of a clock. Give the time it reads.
9:45:17
